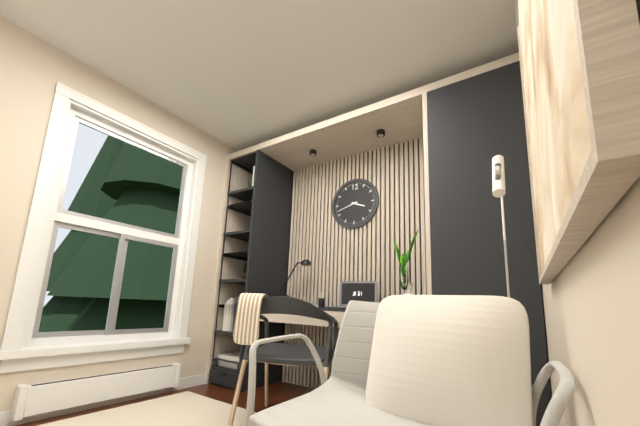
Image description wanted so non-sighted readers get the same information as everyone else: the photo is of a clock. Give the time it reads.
3:42
